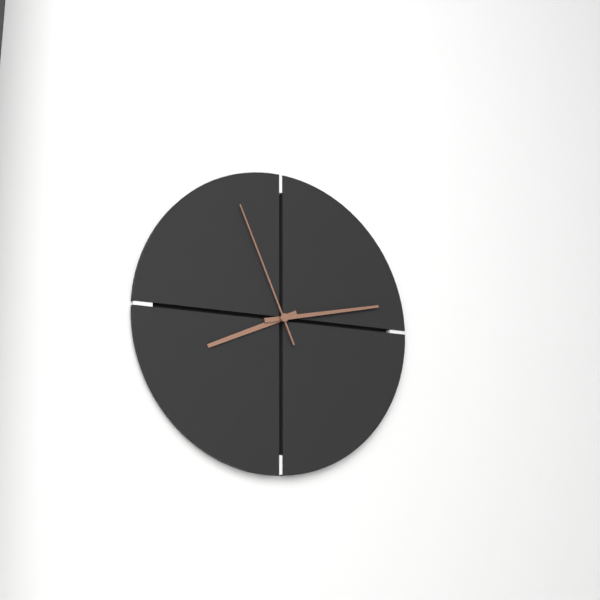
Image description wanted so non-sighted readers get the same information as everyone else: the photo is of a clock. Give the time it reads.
8:13:56
